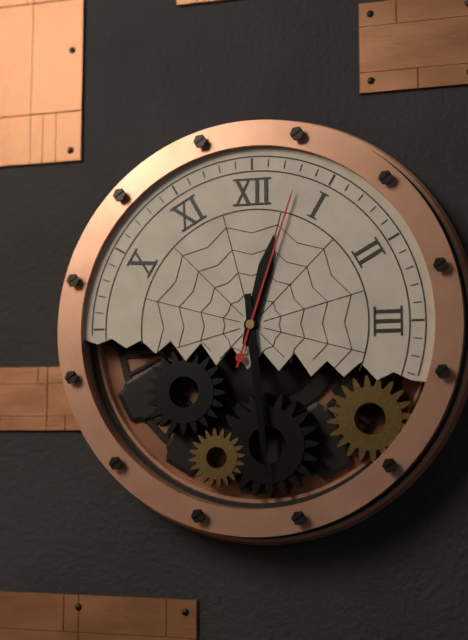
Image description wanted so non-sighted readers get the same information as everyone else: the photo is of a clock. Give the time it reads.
12:29:03
